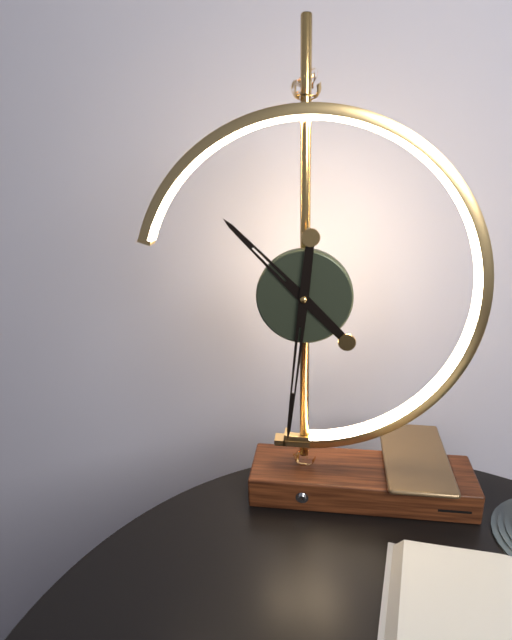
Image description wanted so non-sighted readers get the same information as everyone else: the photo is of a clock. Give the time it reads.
10:31
